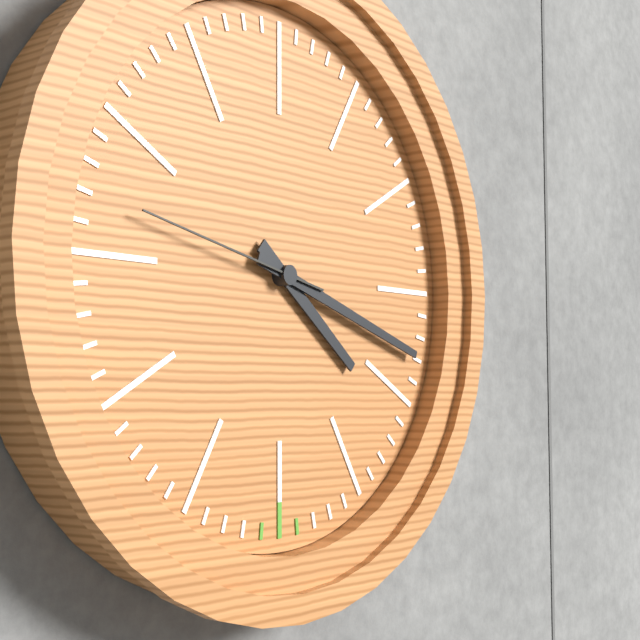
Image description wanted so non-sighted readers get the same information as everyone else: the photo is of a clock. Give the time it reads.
4:18:47
